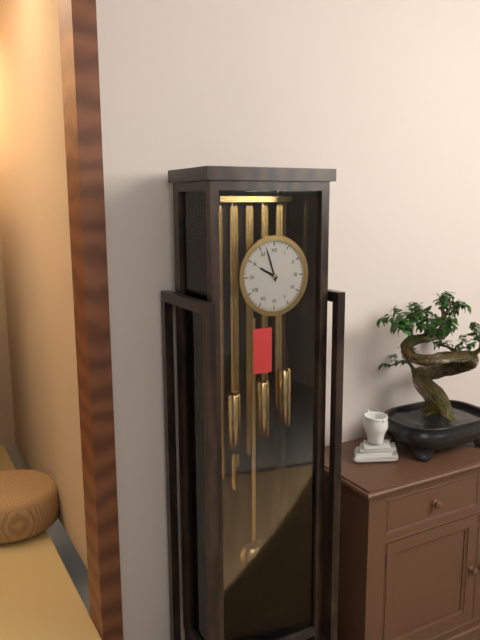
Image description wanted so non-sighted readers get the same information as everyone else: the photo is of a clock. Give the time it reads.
9:57
